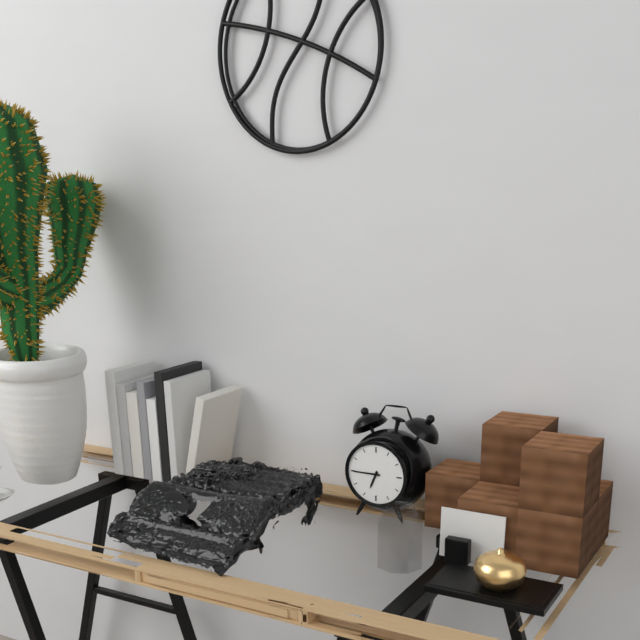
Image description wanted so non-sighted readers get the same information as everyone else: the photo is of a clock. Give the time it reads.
6:45
